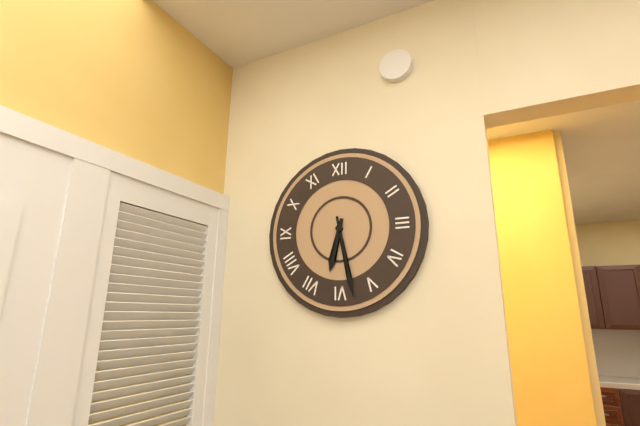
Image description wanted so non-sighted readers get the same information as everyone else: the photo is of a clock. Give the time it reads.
6:28
